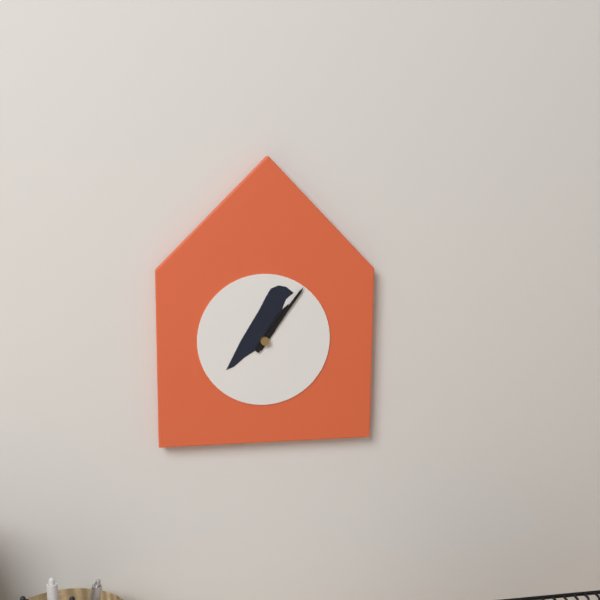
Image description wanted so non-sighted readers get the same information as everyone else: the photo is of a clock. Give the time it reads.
1:06
